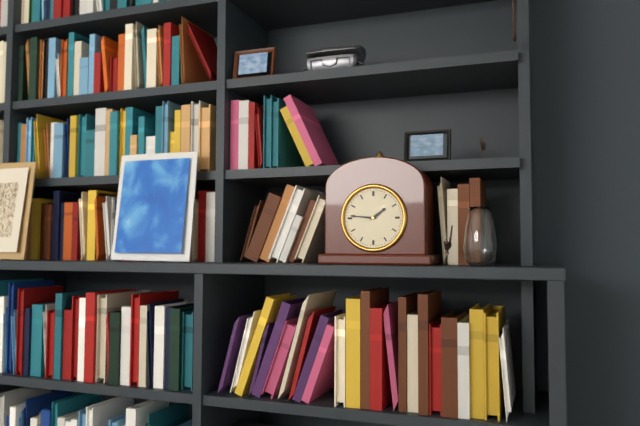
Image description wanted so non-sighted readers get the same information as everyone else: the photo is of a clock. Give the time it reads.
1:46
